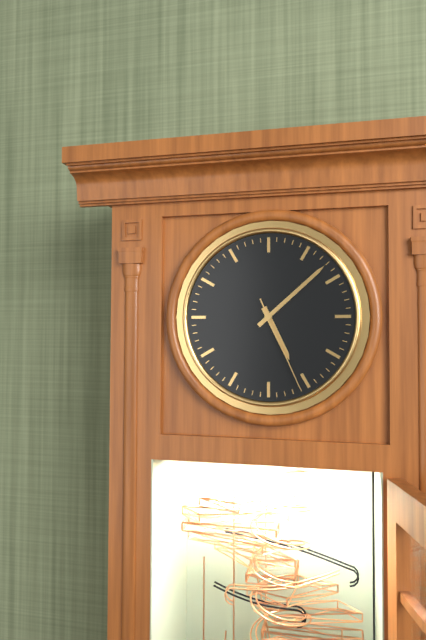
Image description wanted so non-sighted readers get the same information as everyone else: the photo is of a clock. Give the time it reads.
5:08:26
